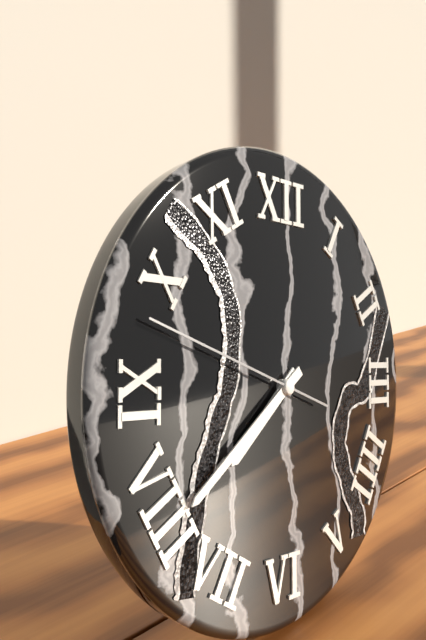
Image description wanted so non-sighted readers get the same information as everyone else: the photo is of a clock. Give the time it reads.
7:39:48
